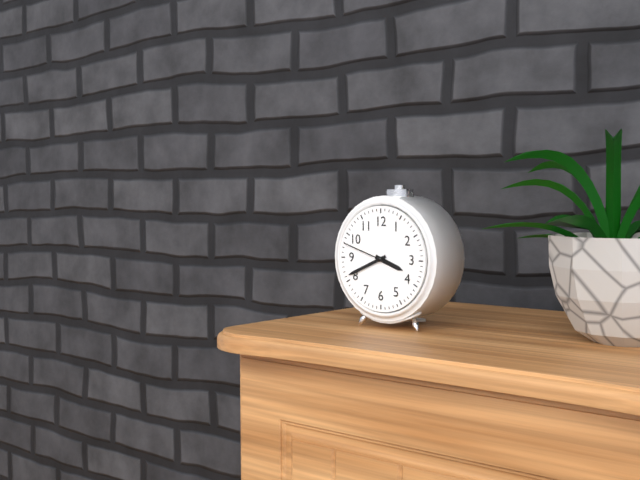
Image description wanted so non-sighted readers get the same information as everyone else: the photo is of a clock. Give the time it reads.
3:41:48
